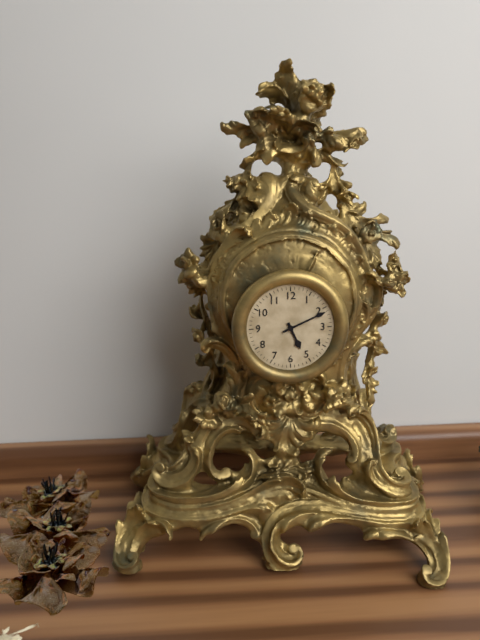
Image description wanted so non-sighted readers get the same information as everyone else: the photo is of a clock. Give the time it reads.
5:11
